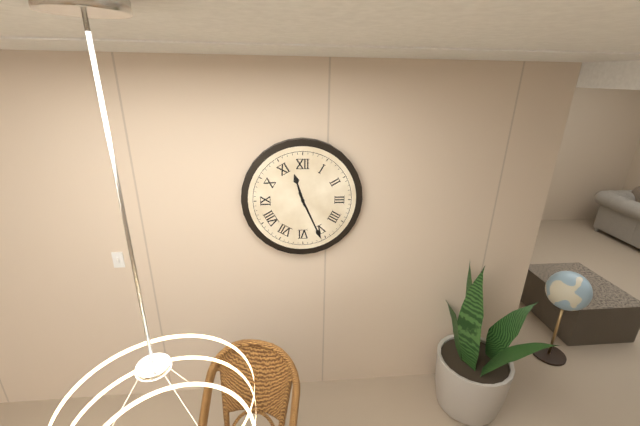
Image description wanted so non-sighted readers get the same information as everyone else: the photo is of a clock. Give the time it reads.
11:26
